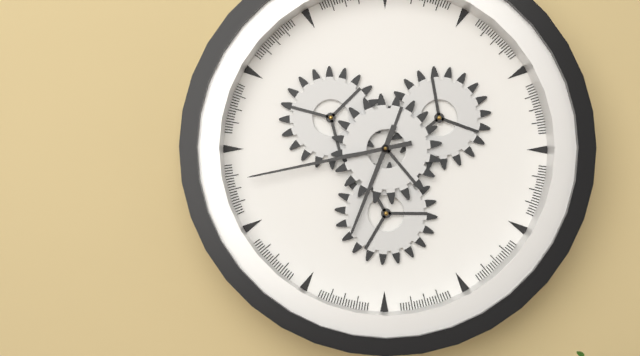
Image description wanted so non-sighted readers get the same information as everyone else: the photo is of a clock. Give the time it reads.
6:43
